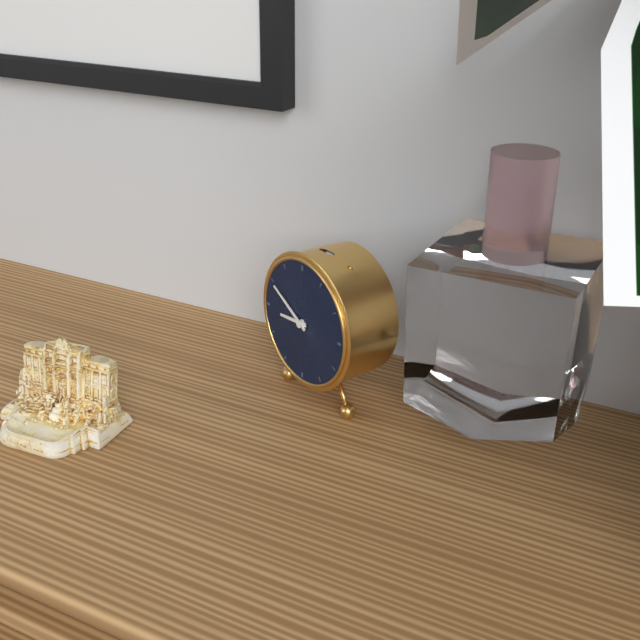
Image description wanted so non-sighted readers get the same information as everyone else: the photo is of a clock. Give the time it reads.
8:50
